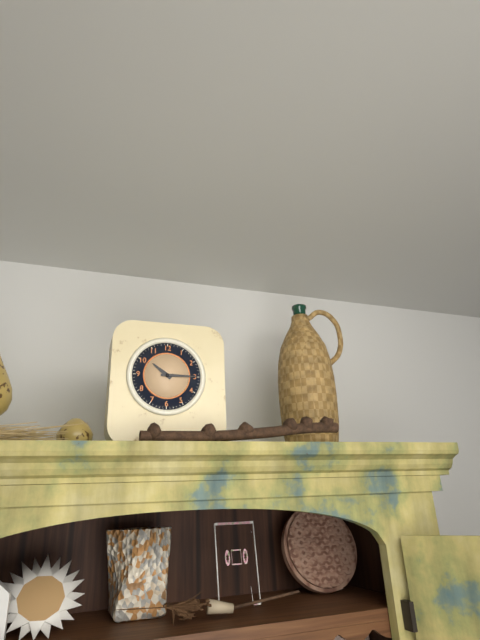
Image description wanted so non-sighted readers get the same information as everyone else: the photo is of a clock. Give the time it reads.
10:15
